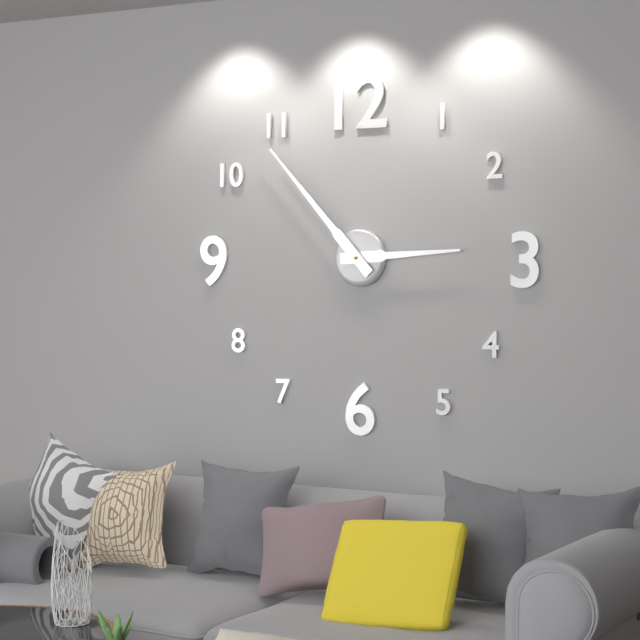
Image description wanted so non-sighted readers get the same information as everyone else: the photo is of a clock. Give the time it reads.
2:53
